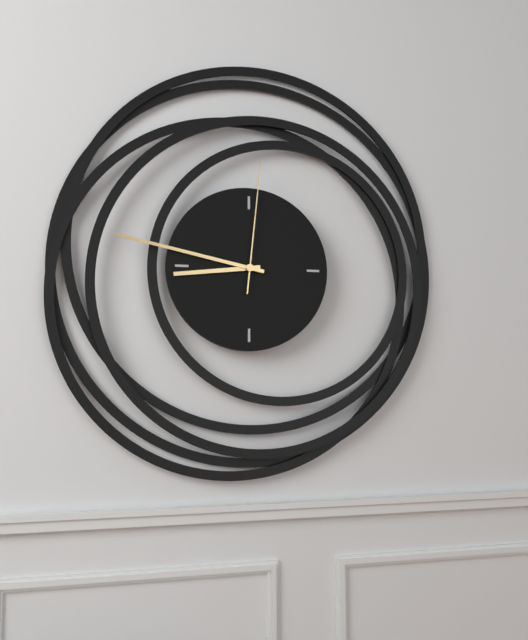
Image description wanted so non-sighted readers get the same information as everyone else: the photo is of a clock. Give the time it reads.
8:47:01
